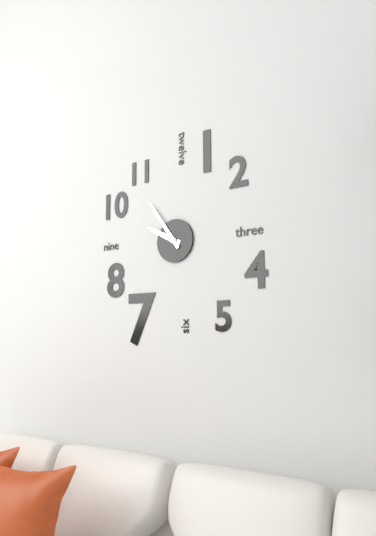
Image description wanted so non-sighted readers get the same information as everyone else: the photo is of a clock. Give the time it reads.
9:54
